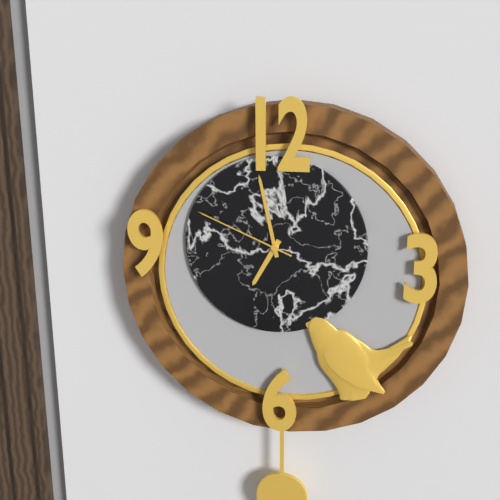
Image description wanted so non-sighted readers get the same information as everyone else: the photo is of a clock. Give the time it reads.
6:58:49
